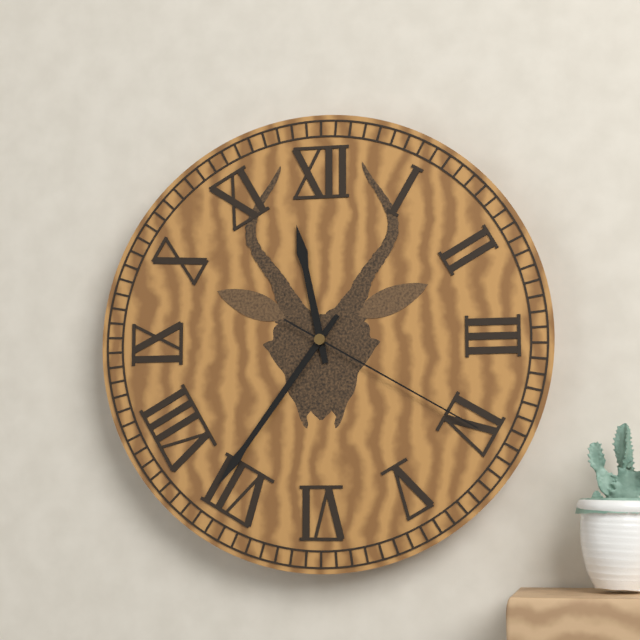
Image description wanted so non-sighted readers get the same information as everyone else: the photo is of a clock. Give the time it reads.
11:36:20
